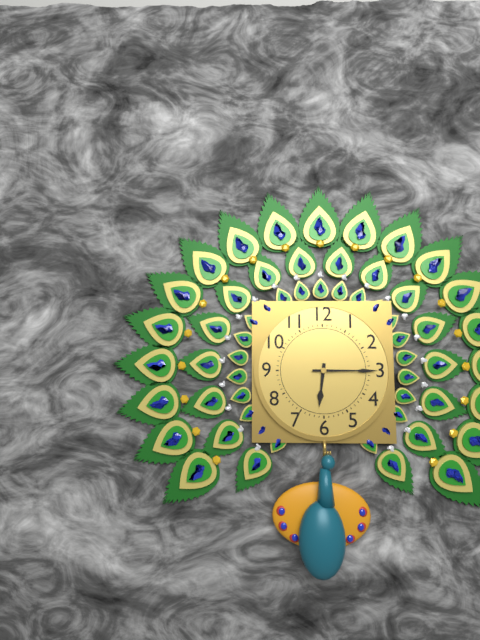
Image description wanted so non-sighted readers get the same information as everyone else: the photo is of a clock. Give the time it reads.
6:15
